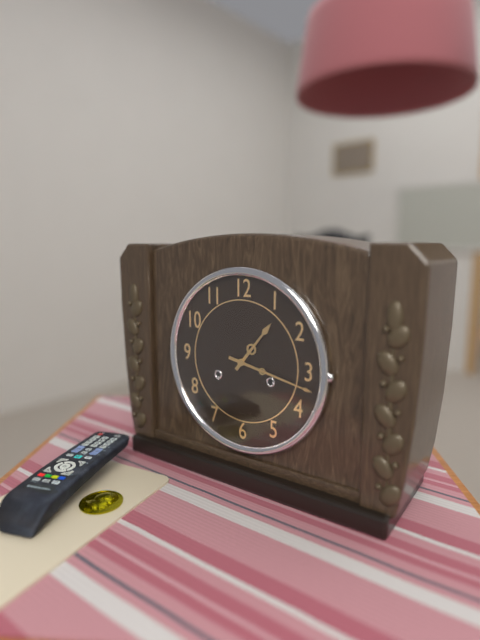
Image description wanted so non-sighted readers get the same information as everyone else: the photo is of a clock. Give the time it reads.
1:17
